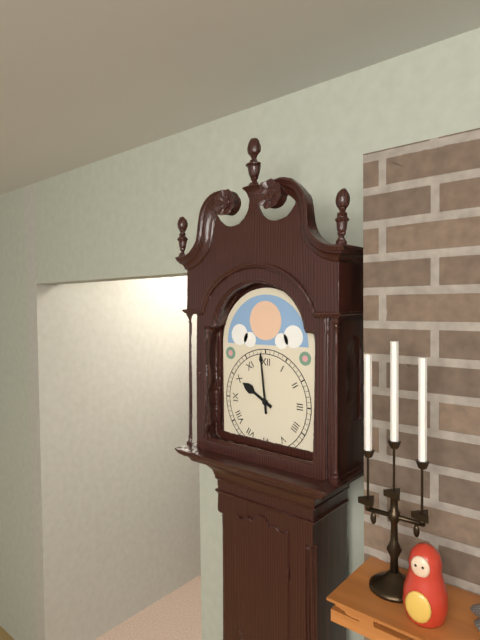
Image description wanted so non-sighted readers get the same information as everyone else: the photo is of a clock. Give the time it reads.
9:59
